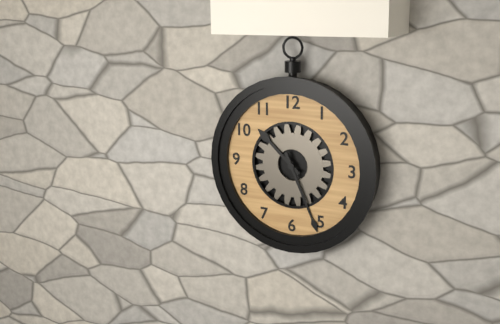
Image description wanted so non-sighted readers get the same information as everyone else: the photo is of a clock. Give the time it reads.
10:26
